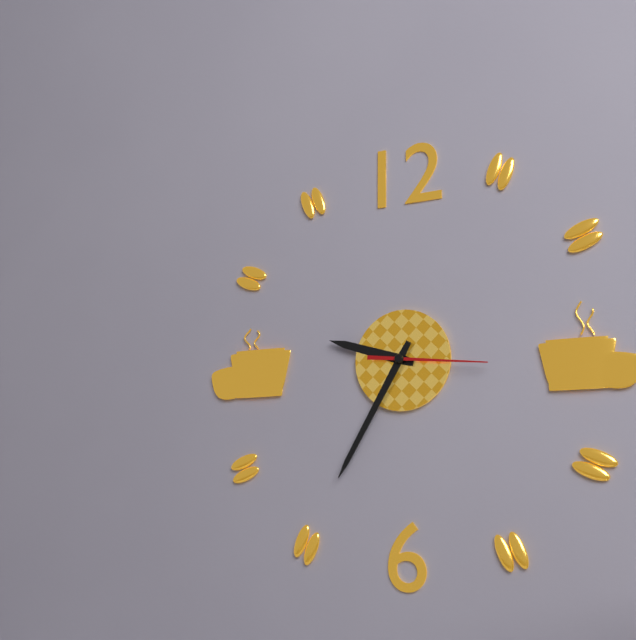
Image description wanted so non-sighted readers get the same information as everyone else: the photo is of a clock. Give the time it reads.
9:35:16
